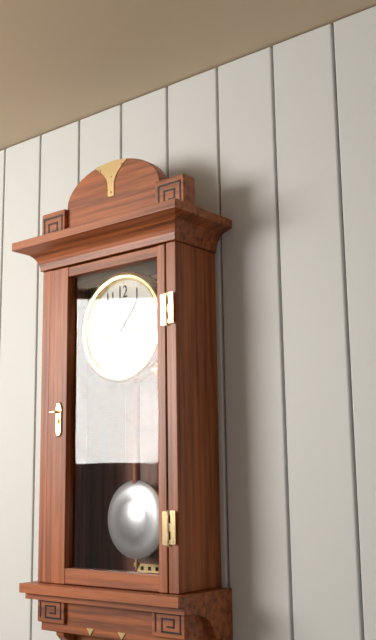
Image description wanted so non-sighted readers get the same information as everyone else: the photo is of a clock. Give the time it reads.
1:17
